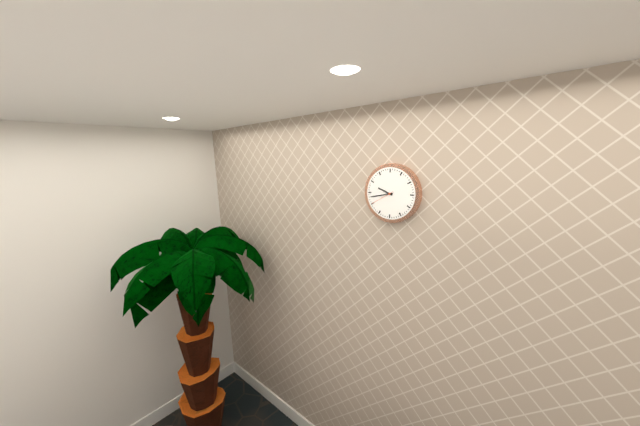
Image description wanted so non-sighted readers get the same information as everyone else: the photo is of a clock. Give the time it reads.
9:43
